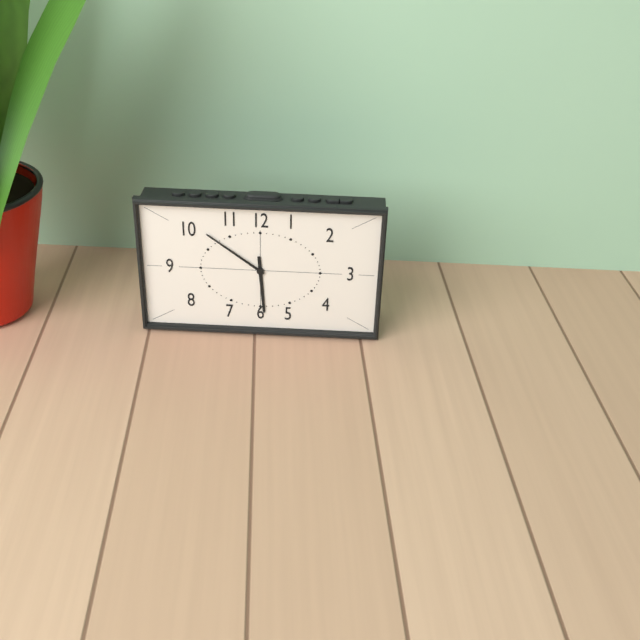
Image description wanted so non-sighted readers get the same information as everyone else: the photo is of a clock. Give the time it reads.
5:51
